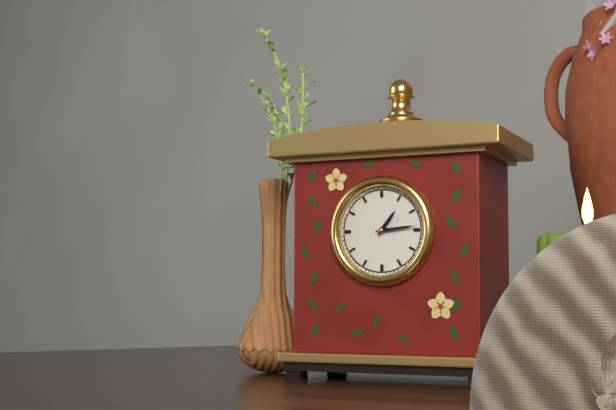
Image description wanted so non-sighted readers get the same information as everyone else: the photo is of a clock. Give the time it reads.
1:14
